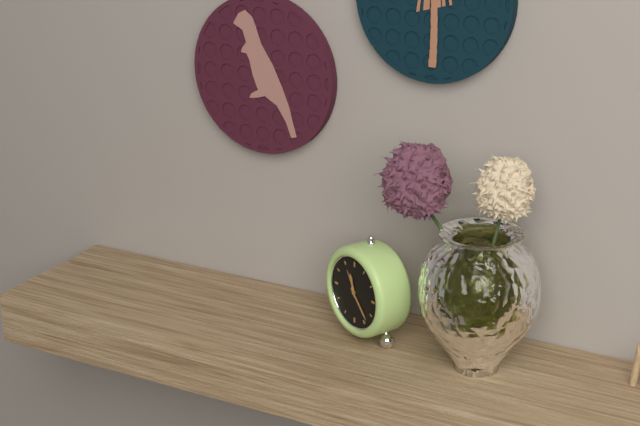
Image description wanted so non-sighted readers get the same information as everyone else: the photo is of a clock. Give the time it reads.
11:23
